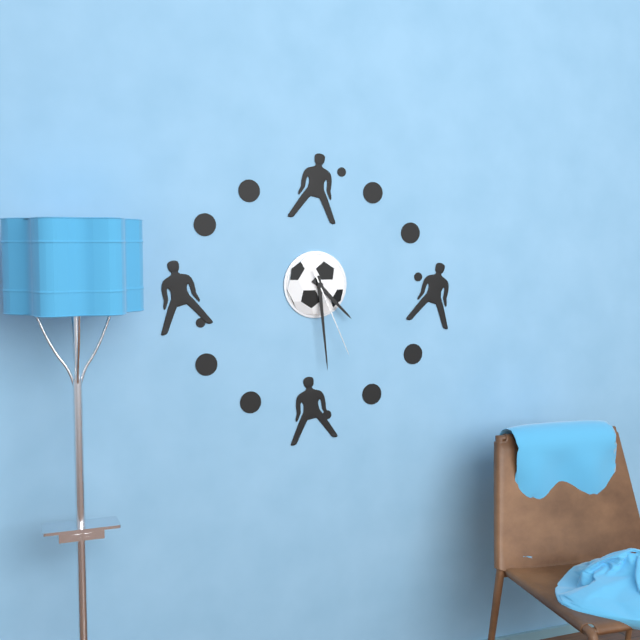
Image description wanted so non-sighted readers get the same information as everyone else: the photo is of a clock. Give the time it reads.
4:29:26
